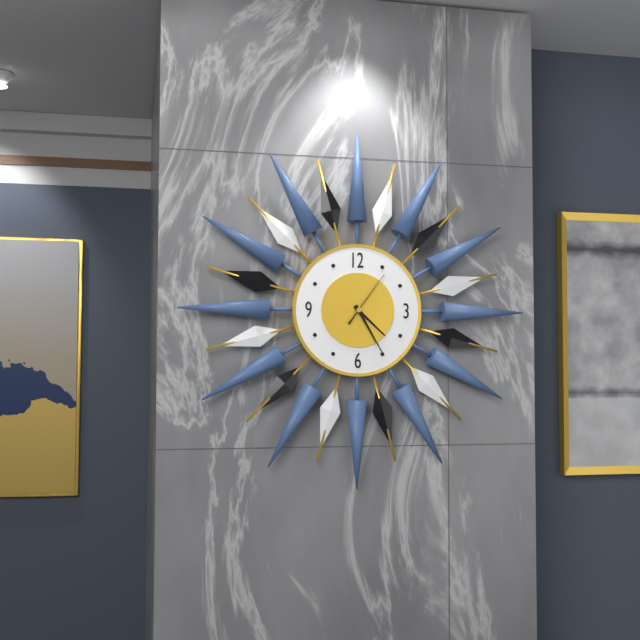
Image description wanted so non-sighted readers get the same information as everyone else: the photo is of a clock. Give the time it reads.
4:25:06
